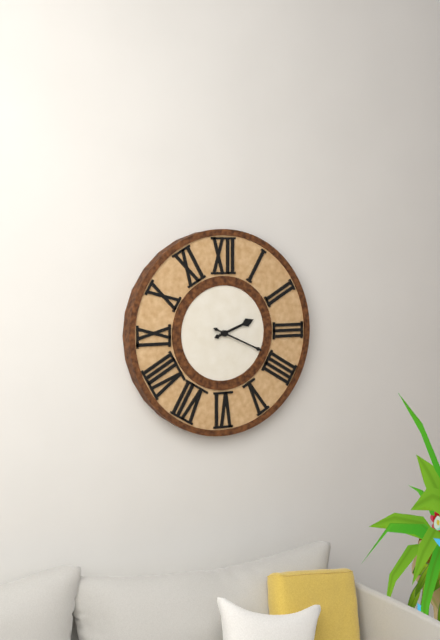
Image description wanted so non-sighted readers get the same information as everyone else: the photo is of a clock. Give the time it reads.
2:19
